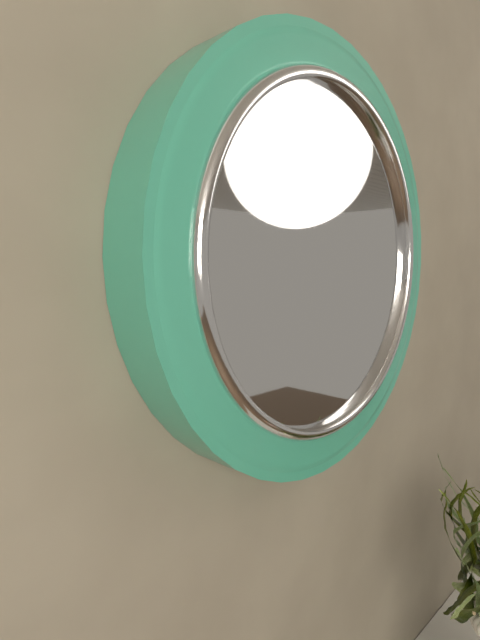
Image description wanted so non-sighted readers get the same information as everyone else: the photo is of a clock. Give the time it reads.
4:47
